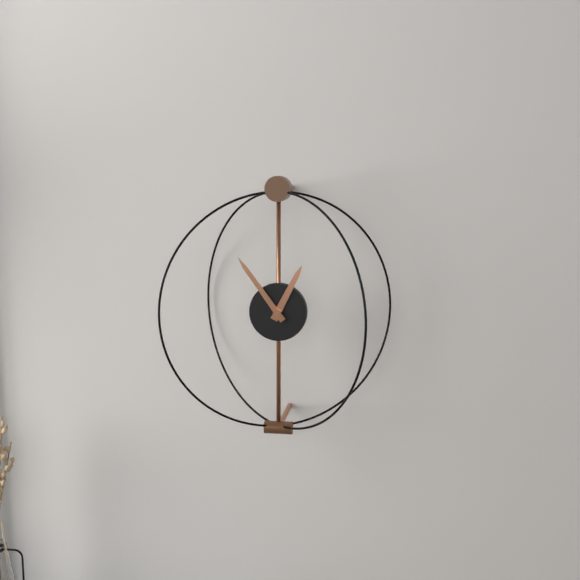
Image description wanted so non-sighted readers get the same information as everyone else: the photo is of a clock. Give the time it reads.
12:54
